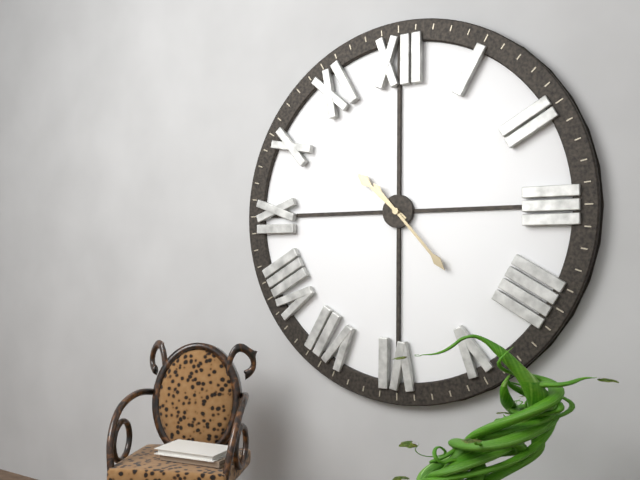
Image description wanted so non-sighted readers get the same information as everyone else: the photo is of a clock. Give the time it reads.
10:23
